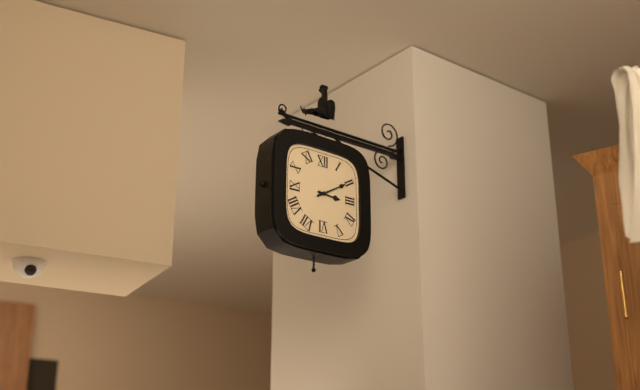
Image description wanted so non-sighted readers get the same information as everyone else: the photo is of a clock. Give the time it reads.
3:10
